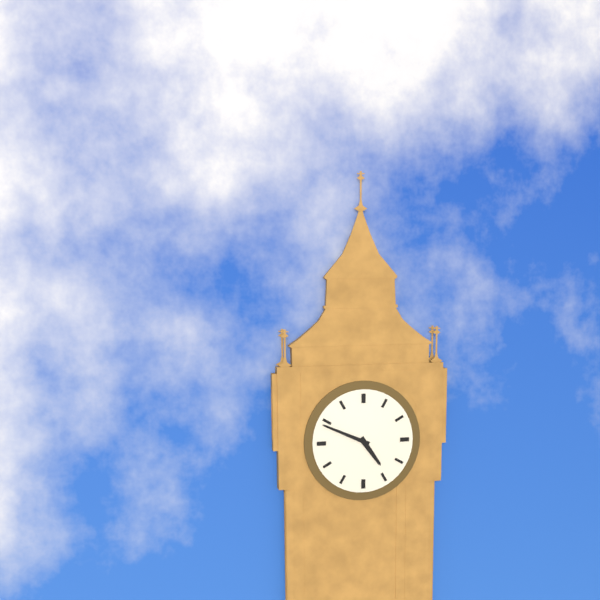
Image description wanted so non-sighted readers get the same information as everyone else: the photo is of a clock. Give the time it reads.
4:49
